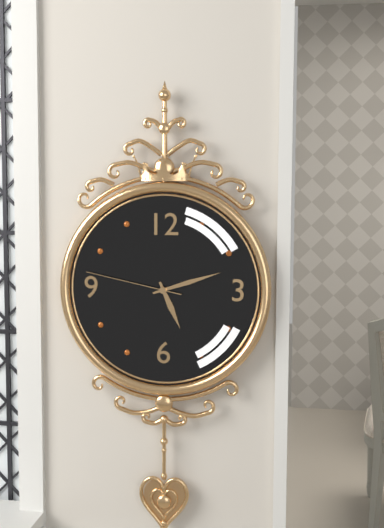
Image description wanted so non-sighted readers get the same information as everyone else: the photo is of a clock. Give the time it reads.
5:12:47
